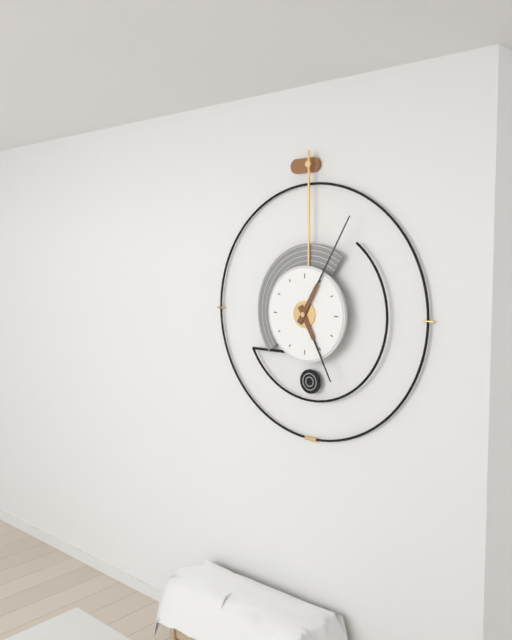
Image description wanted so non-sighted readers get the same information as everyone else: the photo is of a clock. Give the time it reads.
5:05
